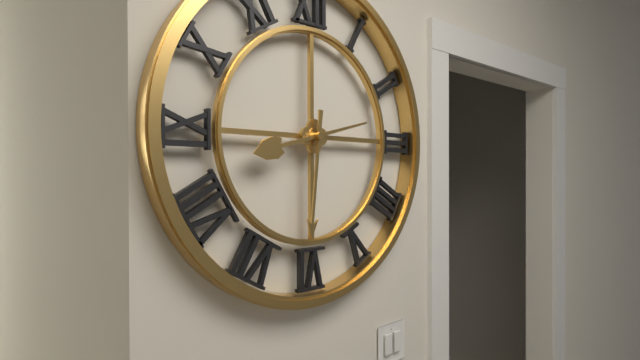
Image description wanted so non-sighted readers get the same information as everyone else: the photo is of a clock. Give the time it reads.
8:31
